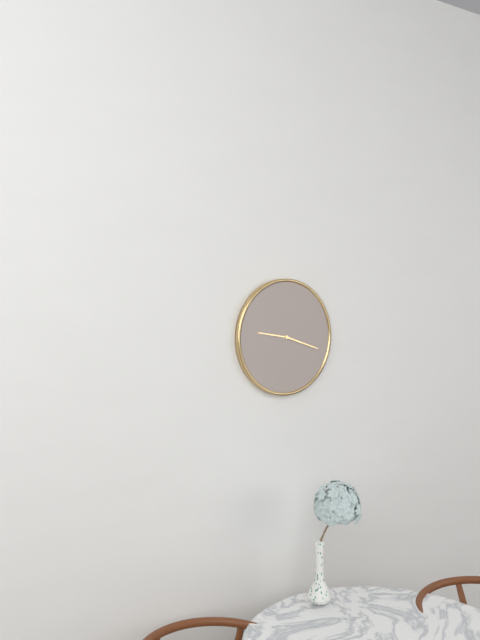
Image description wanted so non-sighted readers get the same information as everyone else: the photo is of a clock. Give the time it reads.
9:18
